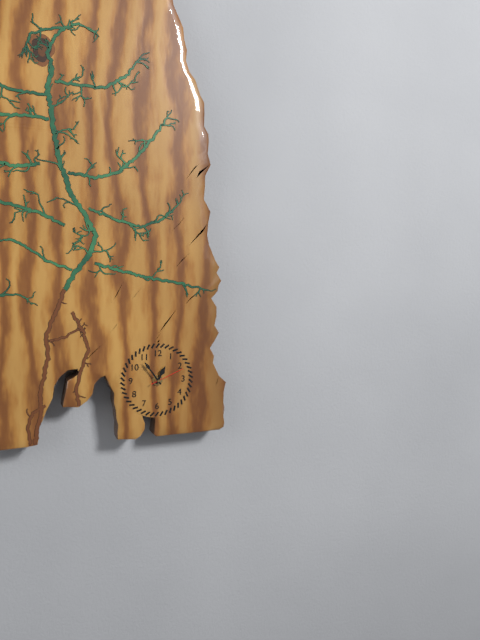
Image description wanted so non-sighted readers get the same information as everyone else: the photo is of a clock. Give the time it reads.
12:54
